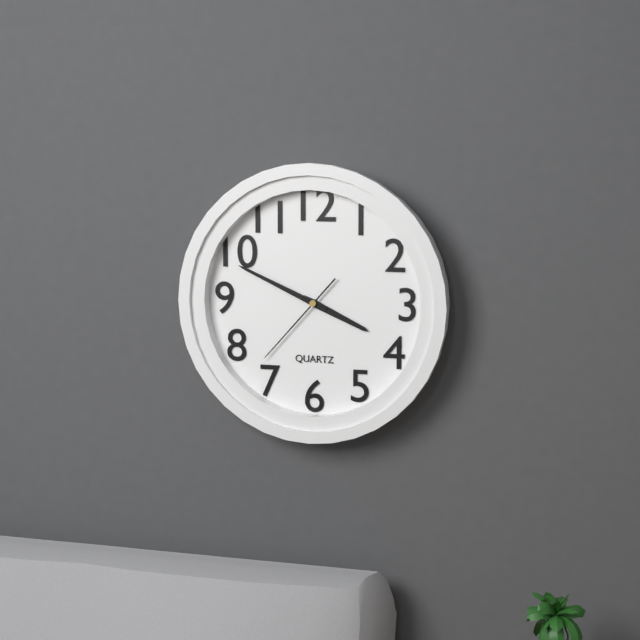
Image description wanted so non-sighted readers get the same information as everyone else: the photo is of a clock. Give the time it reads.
3:49:37
